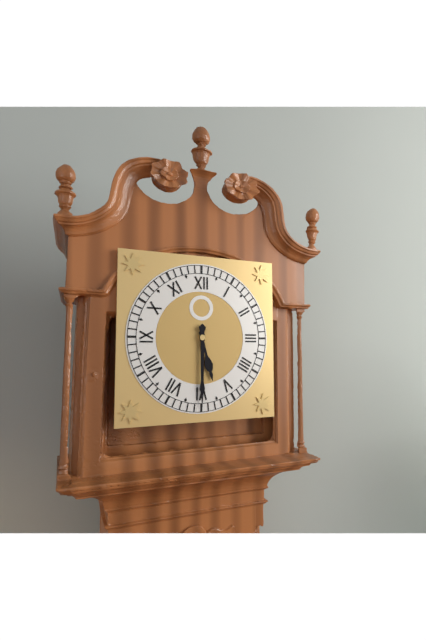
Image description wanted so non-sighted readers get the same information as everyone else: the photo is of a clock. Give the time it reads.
5:30
